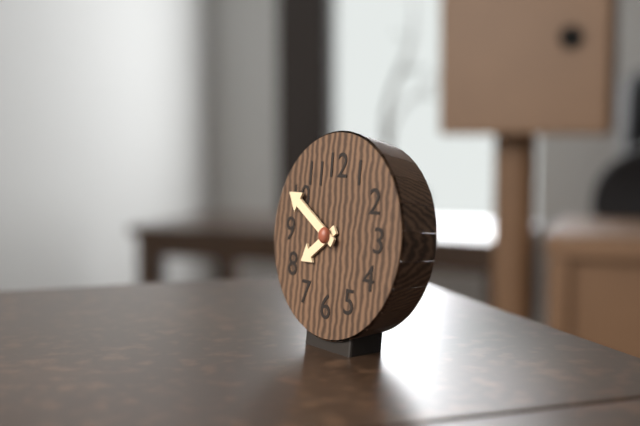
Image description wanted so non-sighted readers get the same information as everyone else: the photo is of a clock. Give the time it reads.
7:50
